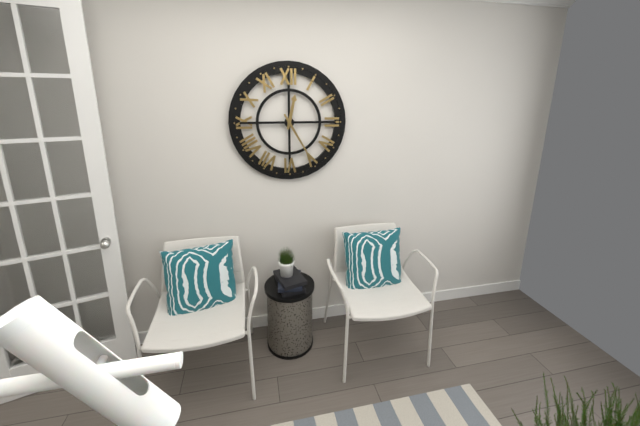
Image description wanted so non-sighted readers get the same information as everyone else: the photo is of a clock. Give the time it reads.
12:25
